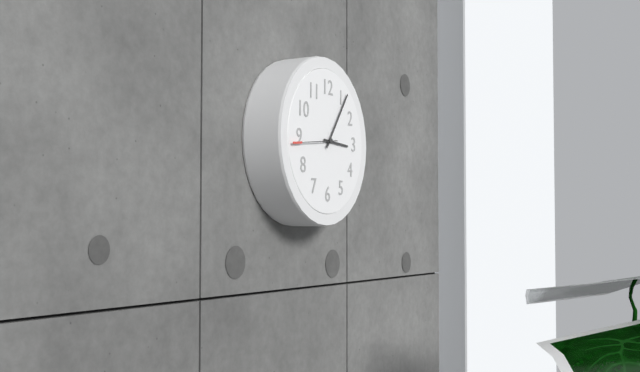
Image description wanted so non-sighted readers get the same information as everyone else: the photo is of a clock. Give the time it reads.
3:06
